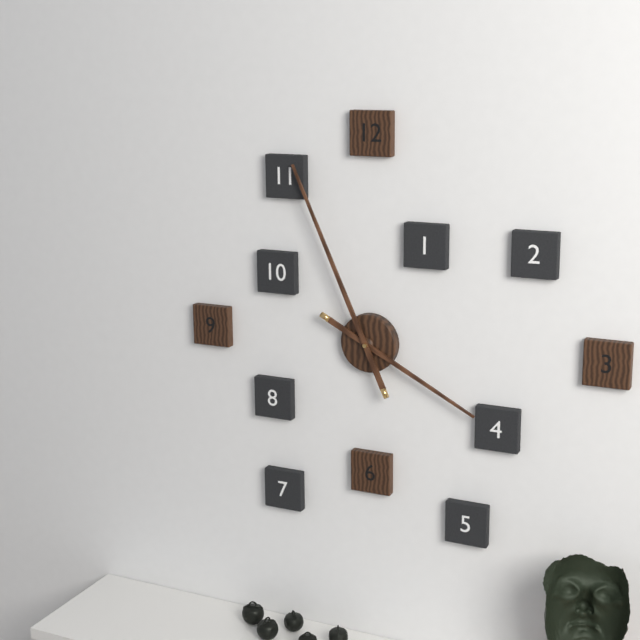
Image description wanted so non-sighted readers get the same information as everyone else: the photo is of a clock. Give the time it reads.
3:56
